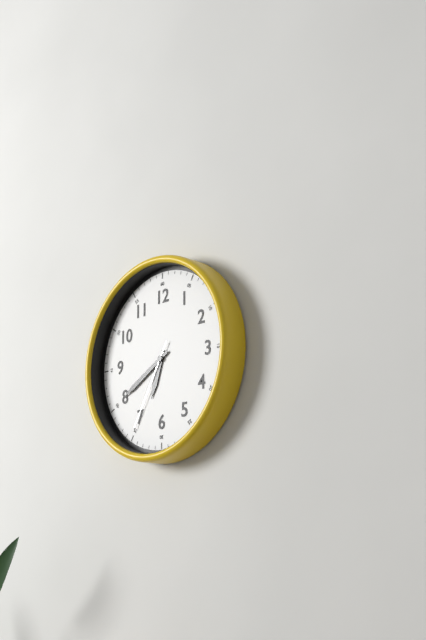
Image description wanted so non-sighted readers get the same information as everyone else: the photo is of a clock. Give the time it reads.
6:40:35
